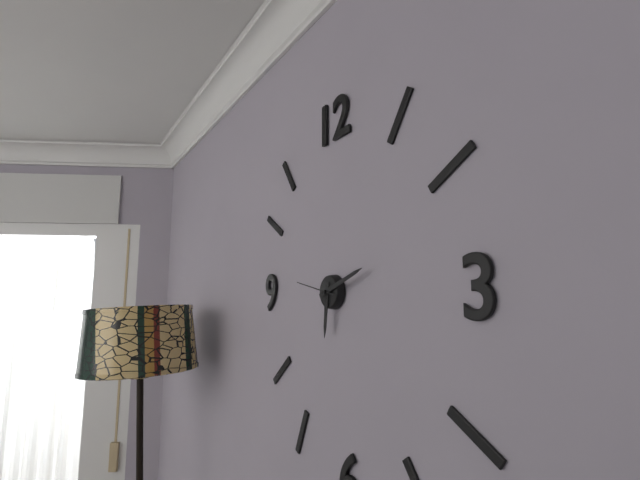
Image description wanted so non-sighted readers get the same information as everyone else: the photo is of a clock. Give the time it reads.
6:12
